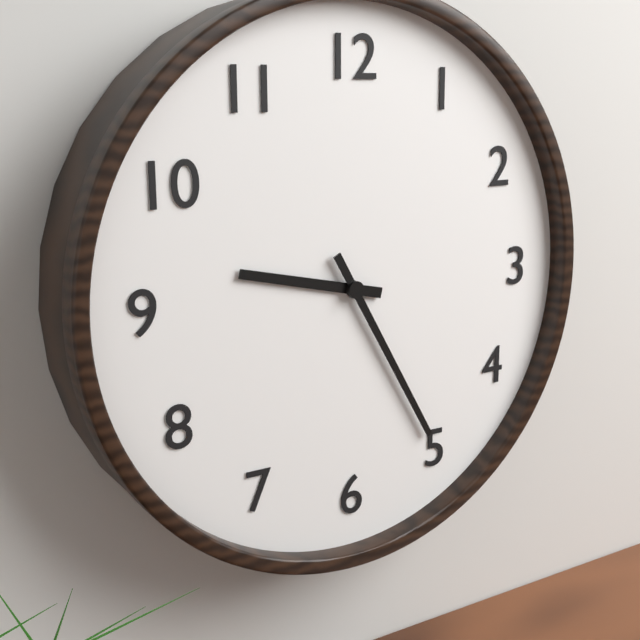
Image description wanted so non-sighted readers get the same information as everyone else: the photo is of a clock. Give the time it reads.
9:25
